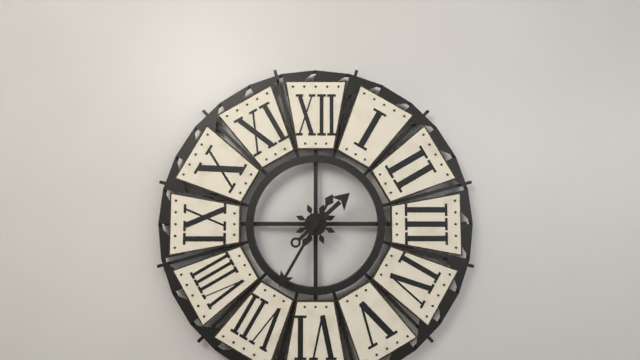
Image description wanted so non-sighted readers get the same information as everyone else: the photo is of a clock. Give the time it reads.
1:35
